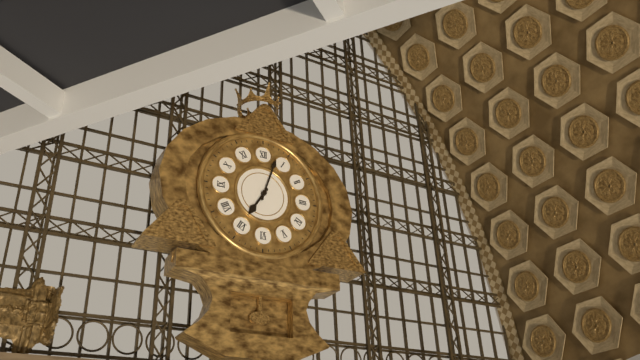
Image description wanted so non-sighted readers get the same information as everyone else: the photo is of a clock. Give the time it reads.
7:03
